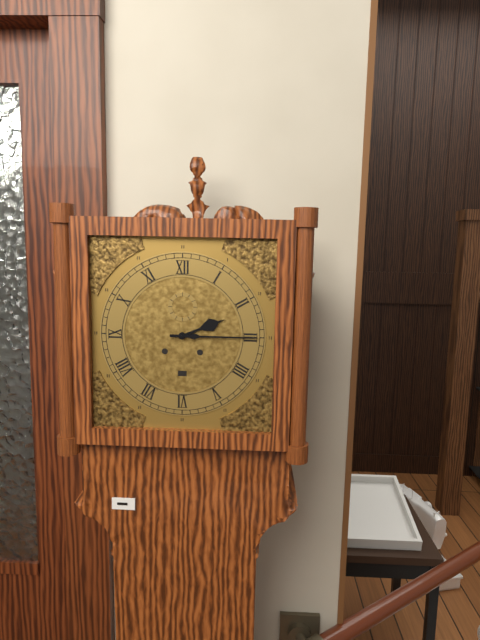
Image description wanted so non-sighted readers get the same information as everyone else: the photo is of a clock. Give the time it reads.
2:15
